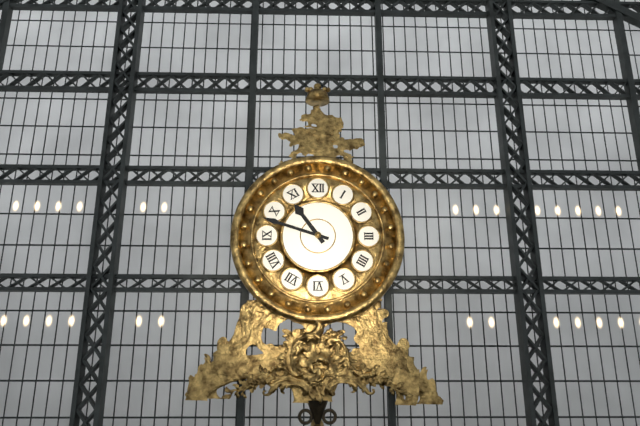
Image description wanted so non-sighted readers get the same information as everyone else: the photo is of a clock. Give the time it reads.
10:48
